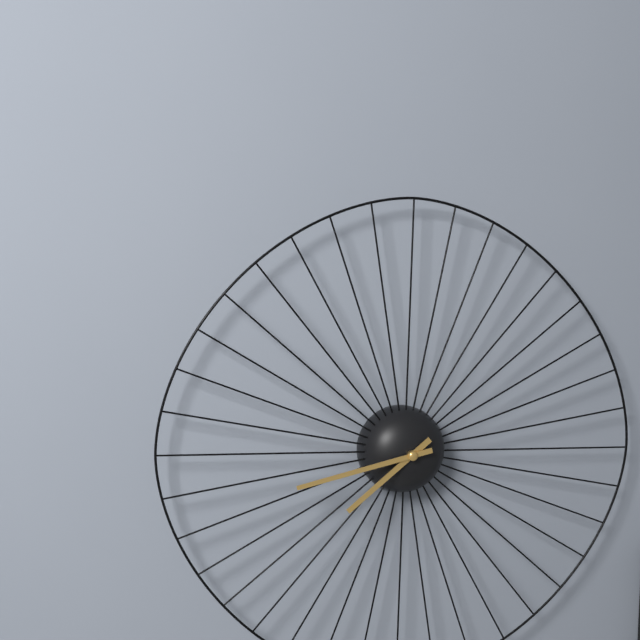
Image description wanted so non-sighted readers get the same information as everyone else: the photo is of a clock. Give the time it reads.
7:43
